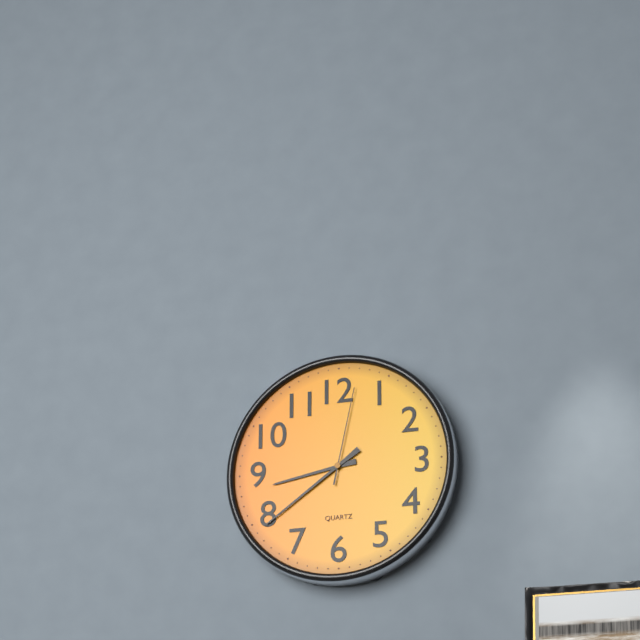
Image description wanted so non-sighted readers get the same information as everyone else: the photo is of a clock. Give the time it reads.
8:39:02
